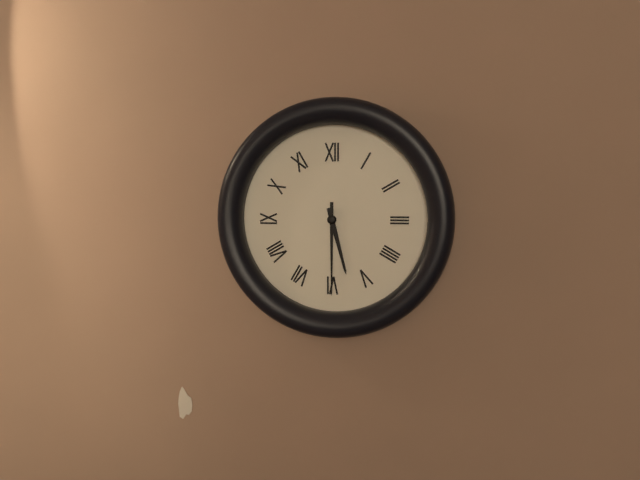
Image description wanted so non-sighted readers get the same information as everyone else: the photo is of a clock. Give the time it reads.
5:30
